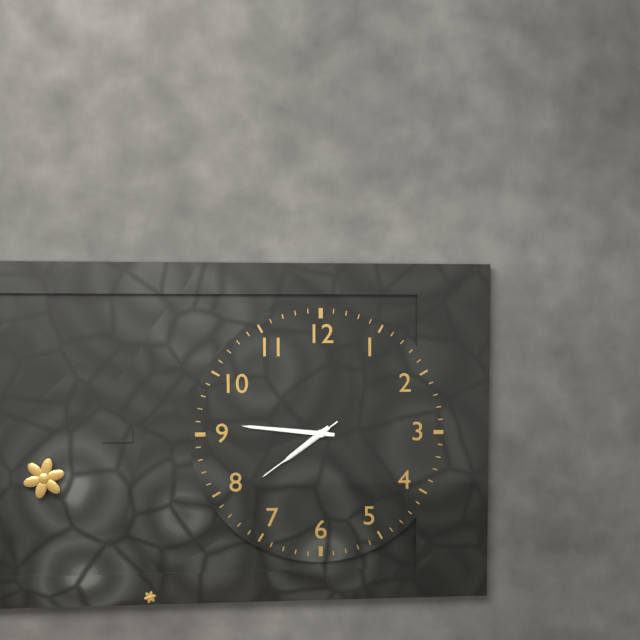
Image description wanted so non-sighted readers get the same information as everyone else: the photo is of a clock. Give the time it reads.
7:46:39
